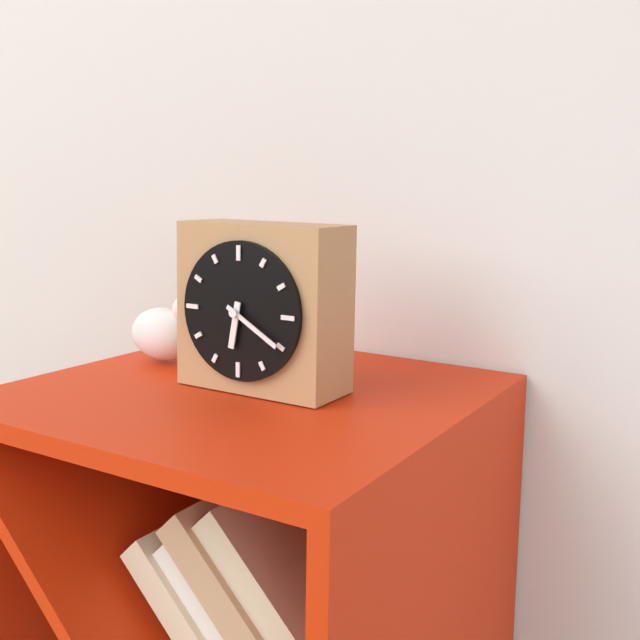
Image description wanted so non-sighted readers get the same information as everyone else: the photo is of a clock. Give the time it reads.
6:20
